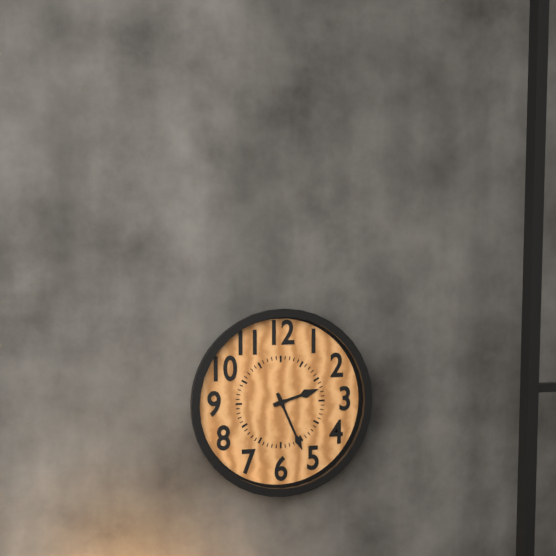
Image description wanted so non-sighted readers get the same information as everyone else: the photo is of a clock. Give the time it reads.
2:26
